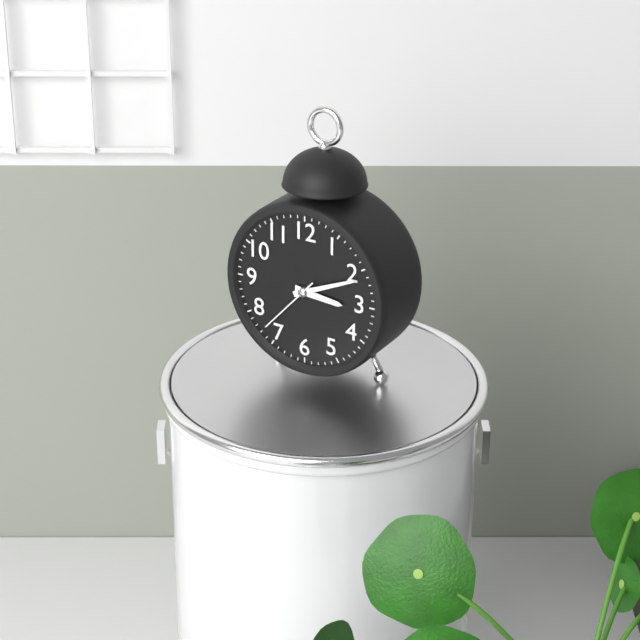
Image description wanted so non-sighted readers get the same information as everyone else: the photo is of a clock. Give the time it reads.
3:11:37
